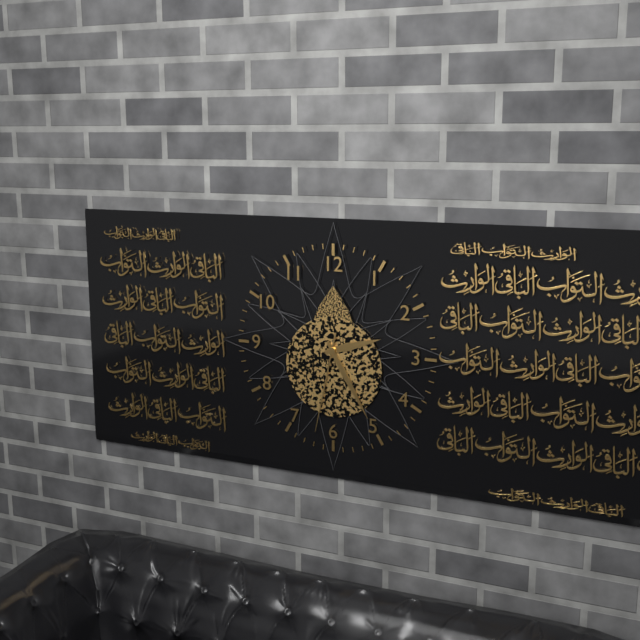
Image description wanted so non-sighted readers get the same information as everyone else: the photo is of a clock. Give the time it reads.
2:25:32
